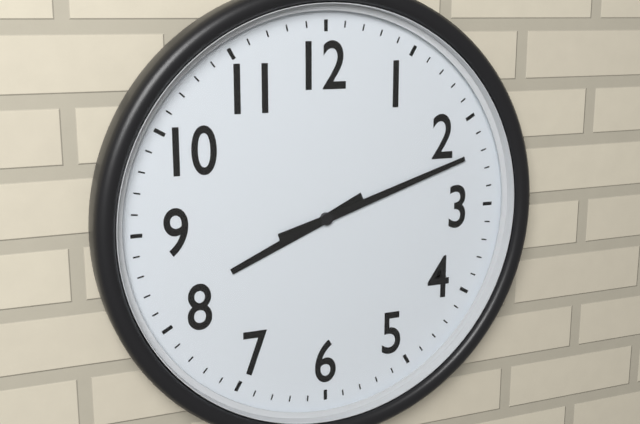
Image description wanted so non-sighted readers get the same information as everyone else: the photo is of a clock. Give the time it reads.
8:12
